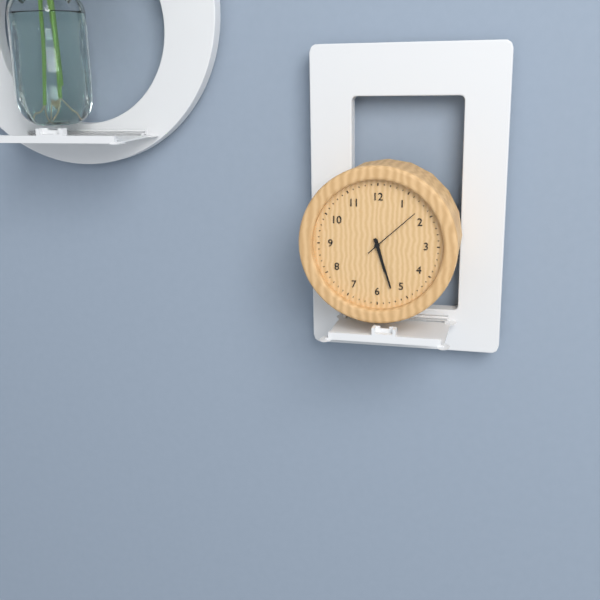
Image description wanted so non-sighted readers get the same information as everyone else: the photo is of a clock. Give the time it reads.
5:27:08
